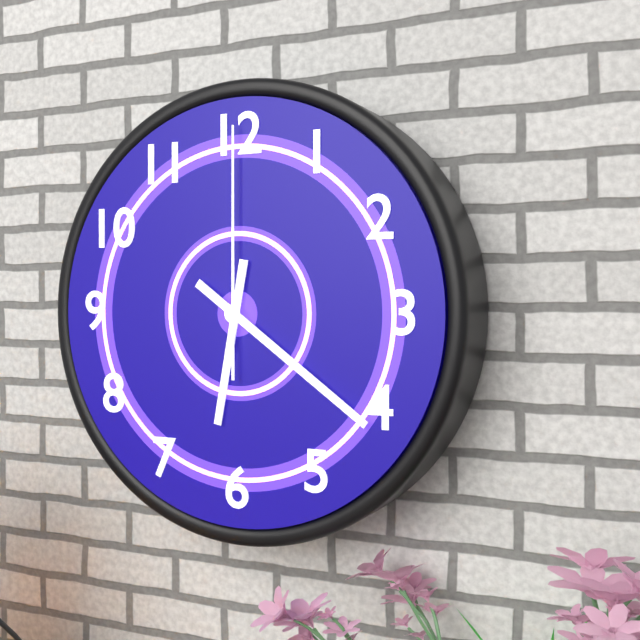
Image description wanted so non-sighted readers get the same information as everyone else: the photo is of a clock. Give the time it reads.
6:21:00
